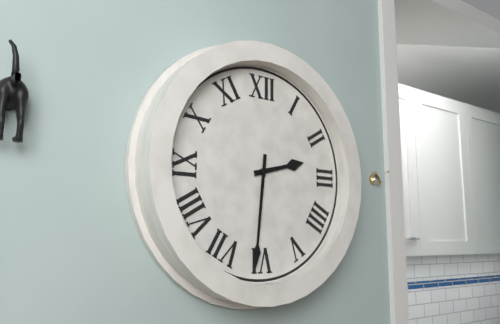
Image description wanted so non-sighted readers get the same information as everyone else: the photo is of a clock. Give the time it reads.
2:31
